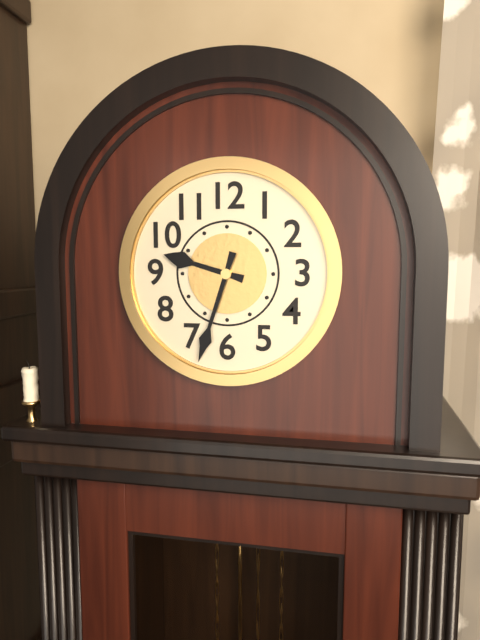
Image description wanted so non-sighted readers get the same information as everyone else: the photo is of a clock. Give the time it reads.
9:33
